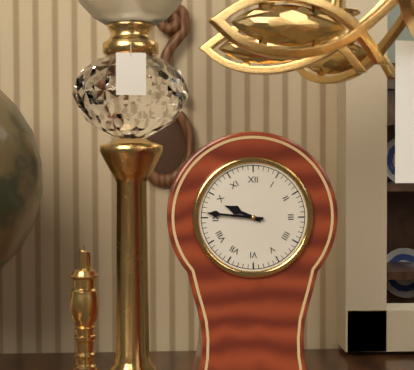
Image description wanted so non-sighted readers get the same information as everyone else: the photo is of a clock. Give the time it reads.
9:46
